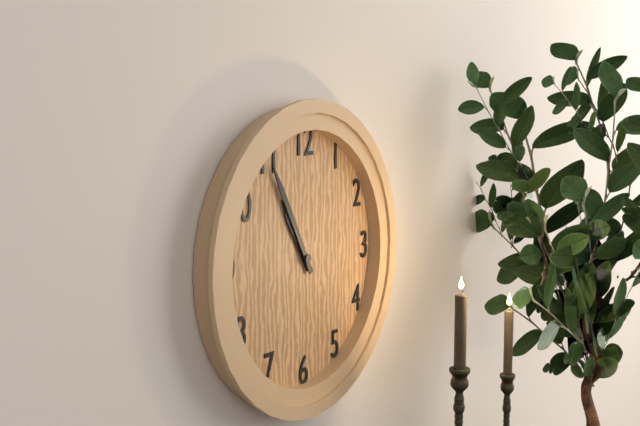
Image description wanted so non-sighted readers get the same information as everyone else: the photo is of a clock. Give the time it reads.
10:55
